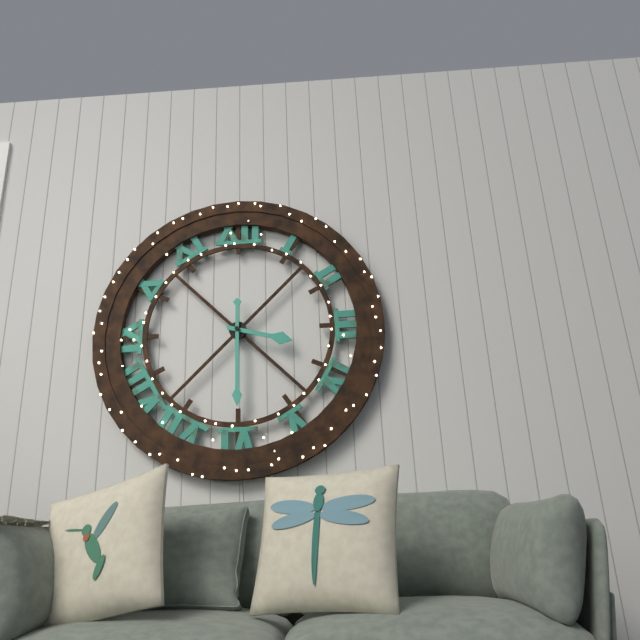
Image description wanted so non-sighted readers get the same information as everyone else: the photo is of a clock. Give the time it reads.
3:30
